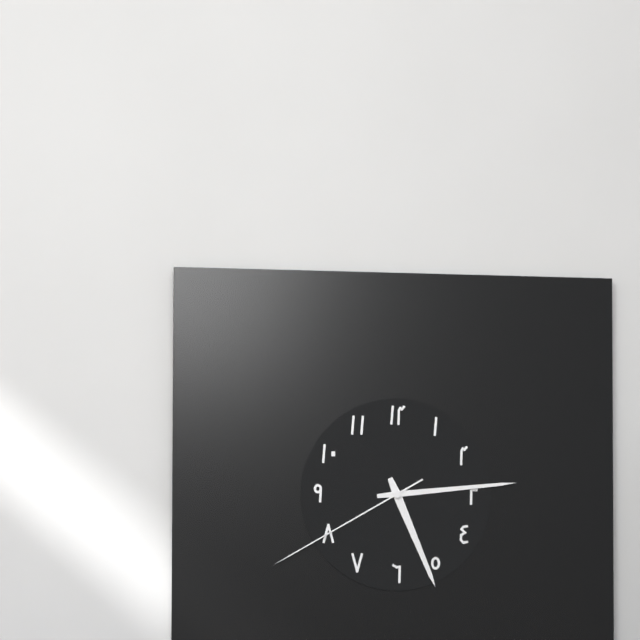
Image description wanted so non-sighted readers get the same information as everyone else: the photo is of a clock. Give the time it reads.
5:14:40
